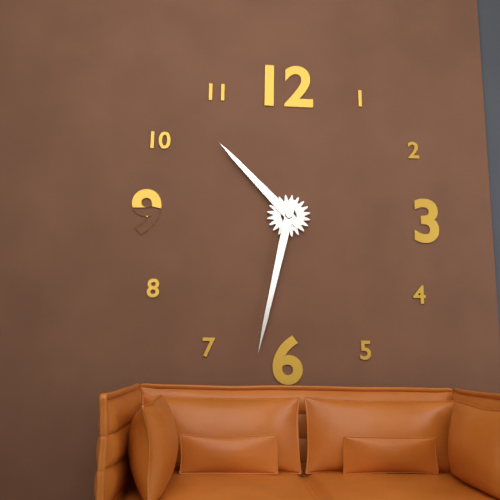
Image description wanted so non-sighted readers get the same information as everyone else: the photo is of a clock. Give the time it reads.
10:32
